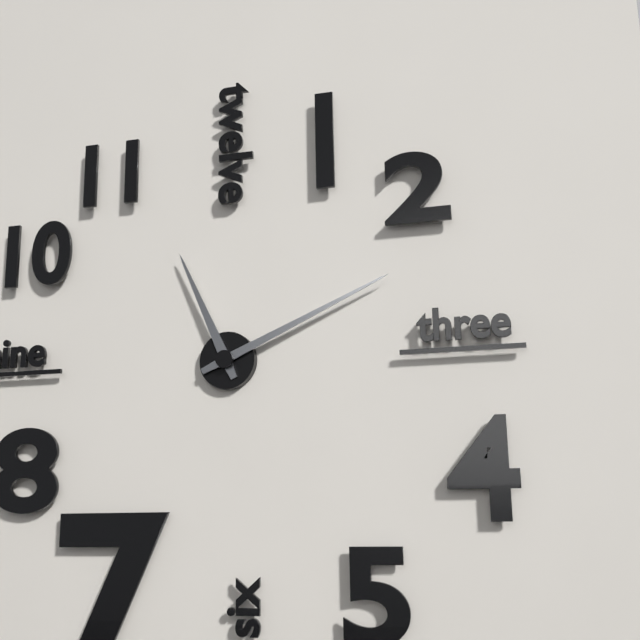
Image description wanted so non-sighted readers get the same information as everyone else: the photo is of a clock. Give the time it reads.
11:11
